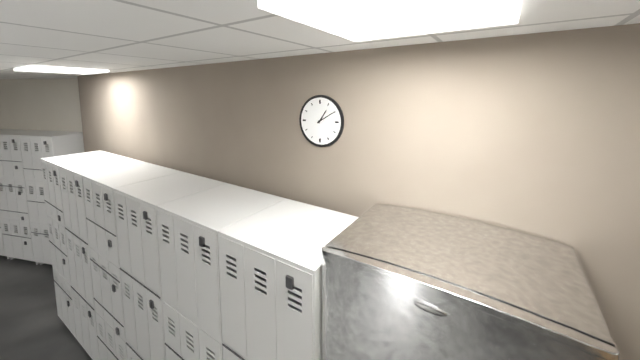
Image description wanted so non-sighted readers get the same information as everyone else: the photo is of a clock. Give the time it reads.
1:10
